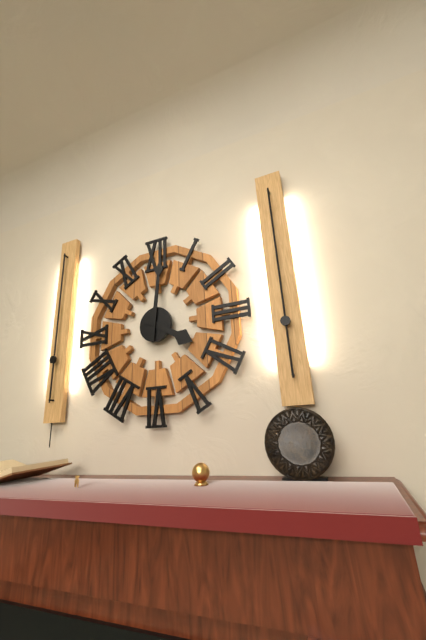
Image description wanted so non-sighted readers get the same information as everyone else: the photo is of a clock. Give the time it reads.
4:01
